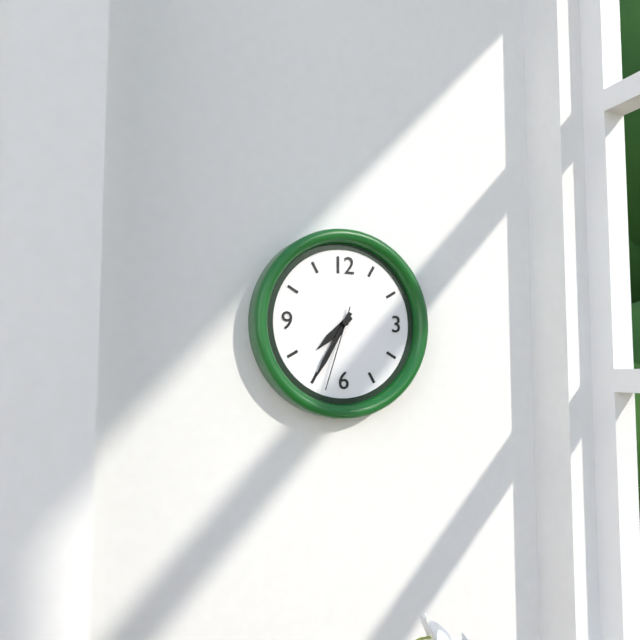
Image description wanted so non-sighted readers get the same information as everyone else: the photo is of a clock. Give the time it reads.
7:35:33
